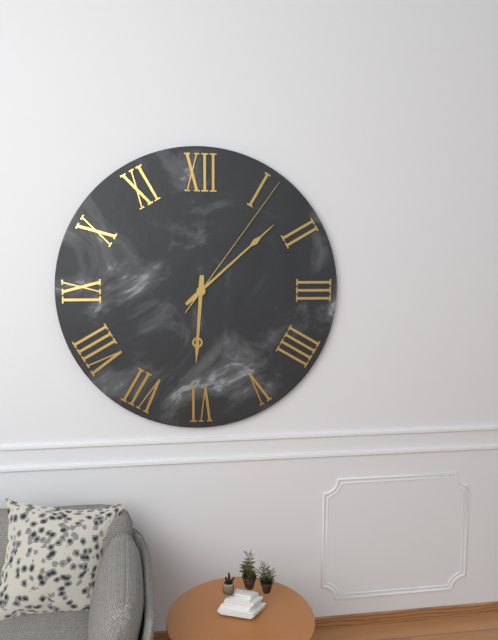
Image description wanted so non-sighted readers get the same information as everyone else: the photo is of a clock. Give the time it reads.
6:08:06
